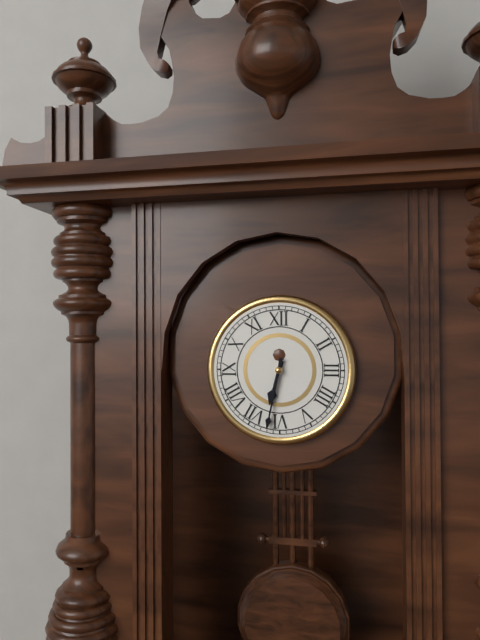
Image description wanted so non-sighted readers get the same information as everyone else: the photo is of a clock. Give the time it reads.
6:32
